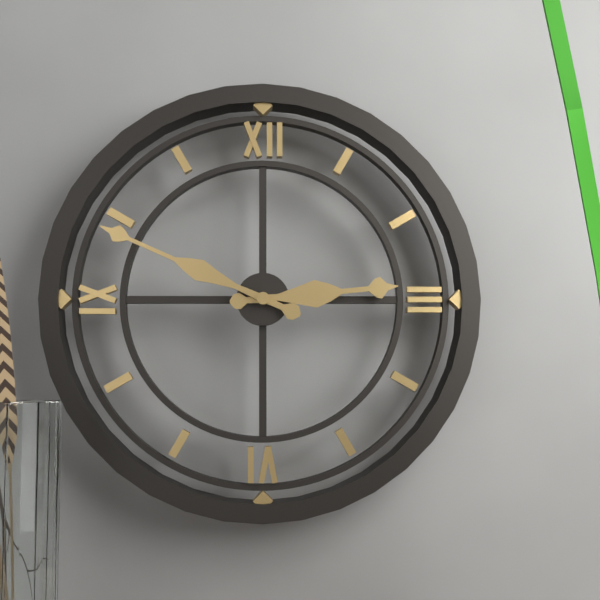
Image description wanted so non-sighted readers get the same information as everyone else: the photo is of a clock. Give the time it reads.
2:49
